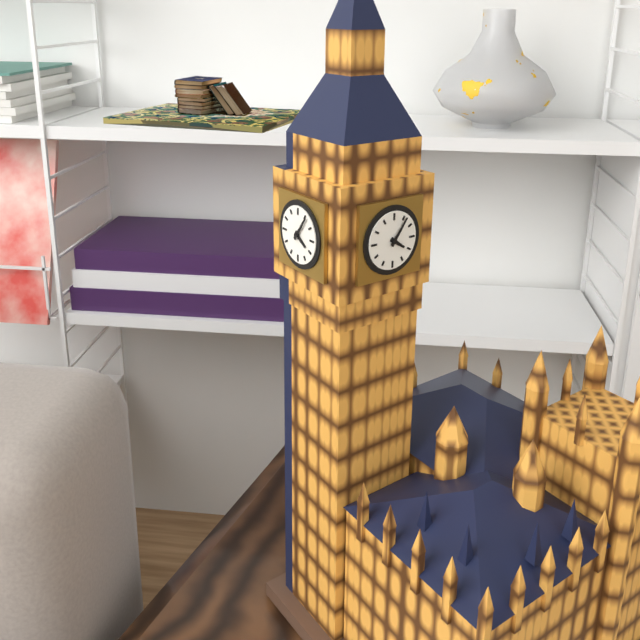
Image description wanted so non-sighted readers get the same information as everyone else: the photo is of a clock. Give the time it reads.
4:06
